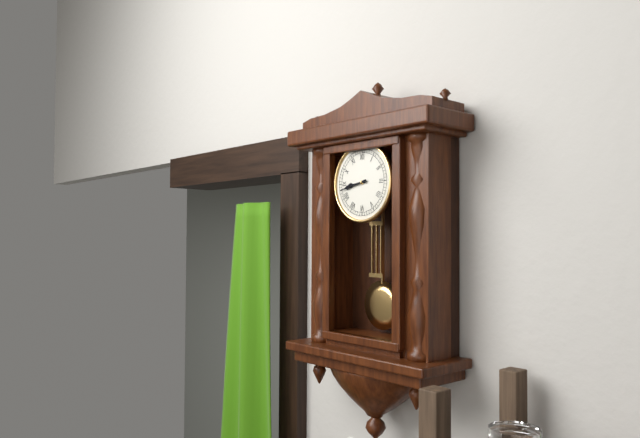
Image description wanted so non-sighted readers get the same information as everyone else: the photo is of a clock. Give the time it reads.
8:43
